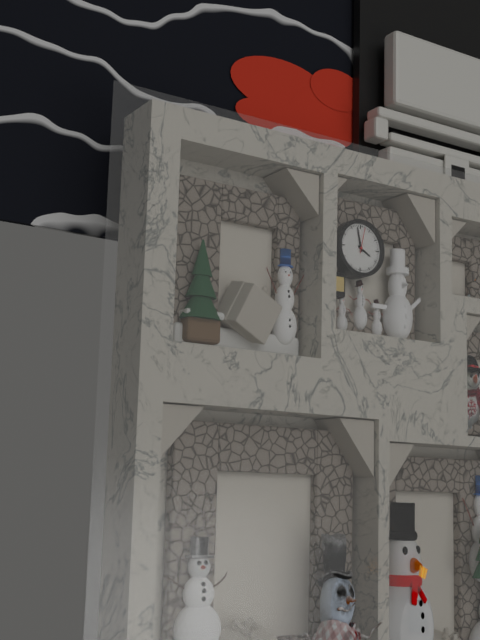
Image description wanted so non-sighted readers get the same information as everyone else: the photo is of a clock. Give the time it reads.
3:58
